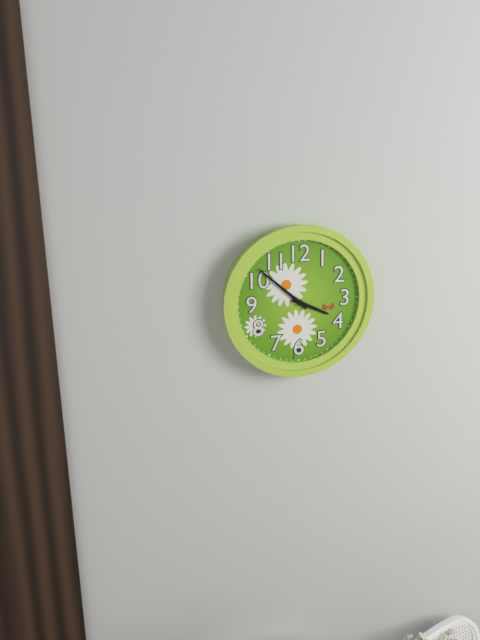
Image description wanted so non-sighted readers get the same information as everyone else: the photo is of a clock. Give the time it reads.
3:52
